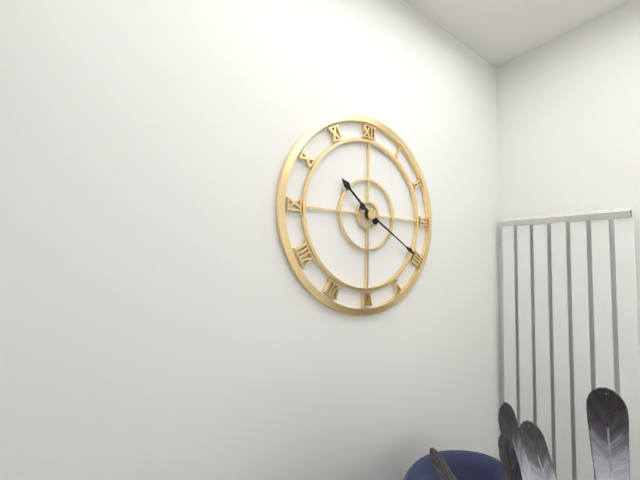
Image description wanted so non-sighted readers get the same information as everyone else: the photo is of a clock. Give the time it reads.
10:20
